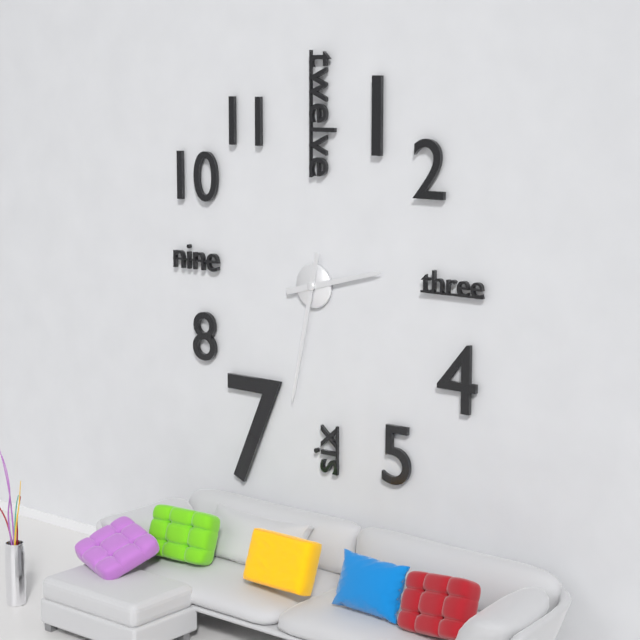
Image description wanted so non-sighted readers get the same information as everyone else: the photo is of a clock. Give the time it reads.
2:32
